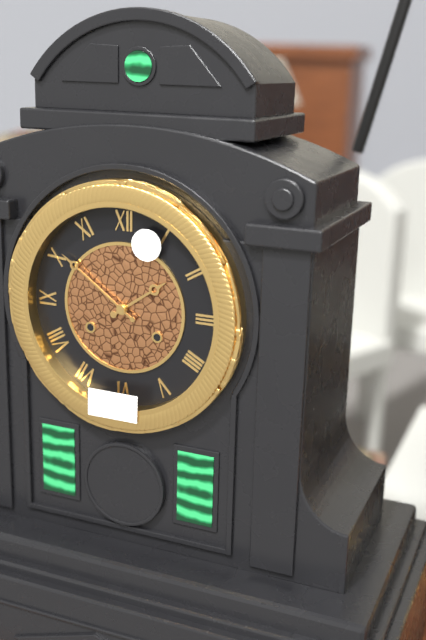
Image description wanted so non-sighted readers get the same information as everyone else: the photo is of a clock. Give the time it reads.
1:51
